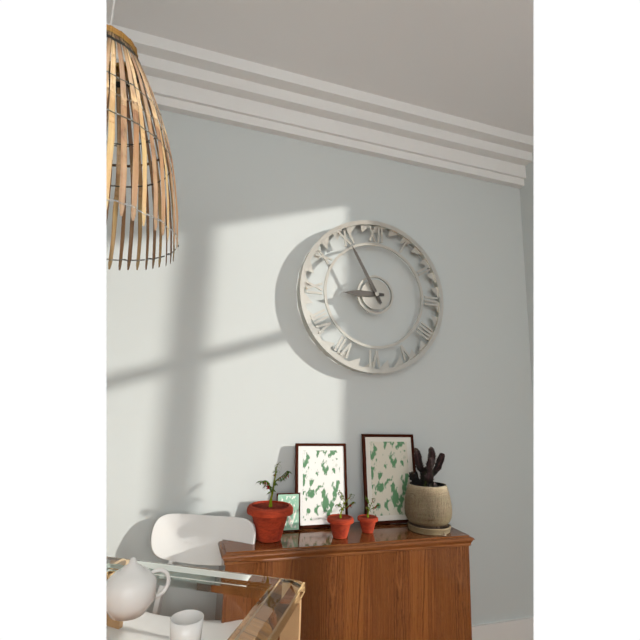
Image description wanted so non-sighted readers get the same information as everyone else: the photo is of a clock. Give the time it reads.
8:55
